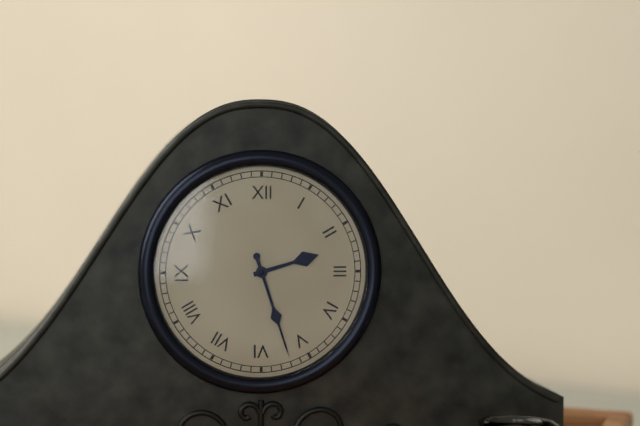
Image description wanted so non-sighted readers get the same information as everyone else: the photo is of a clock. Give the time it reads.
2:27
